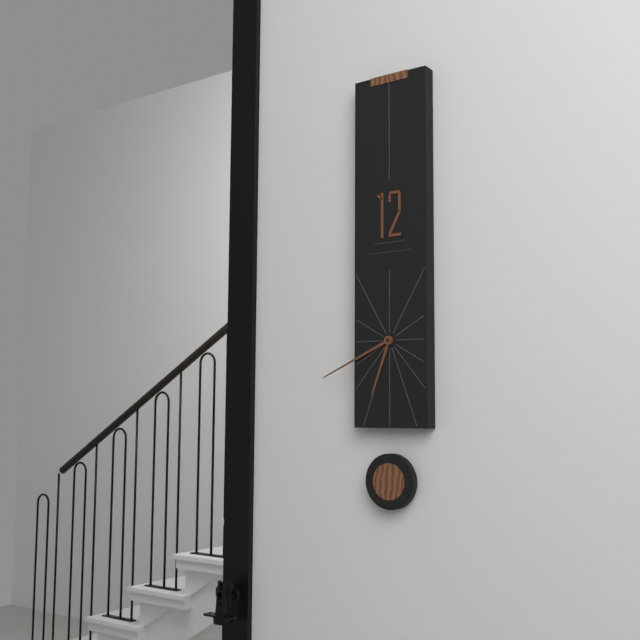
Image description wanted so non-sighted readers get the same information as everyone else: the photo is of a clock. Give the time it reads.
6:41
